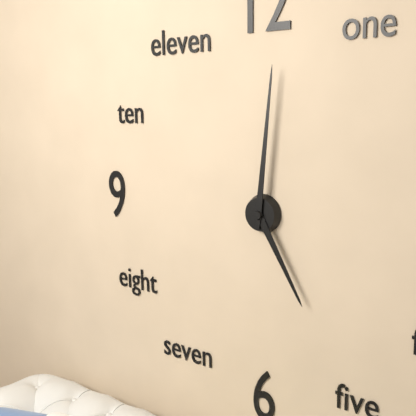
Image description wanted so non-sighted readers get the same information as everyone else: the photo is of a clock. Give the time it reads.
5:01
